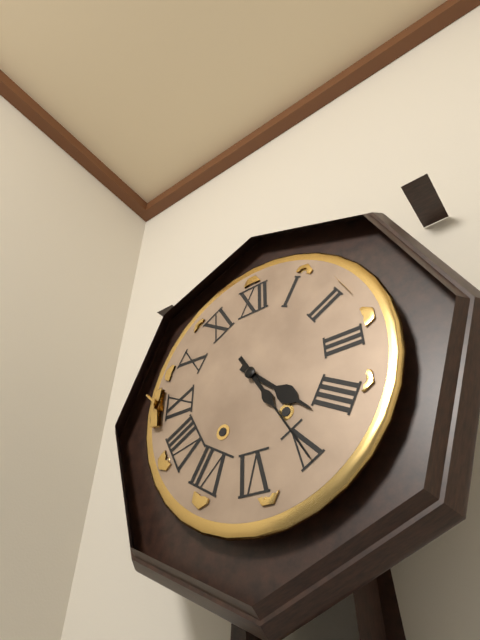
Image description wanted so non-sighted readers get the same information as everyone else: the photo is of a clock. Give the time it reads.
4:25
